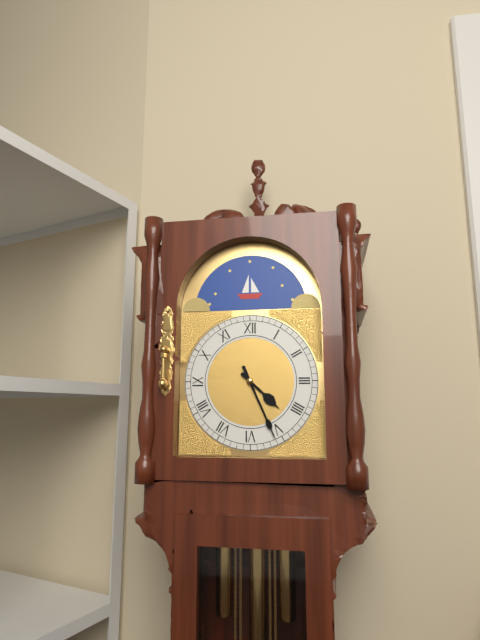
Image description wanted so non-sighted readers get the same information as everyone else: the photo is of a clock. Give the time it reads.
4:26
